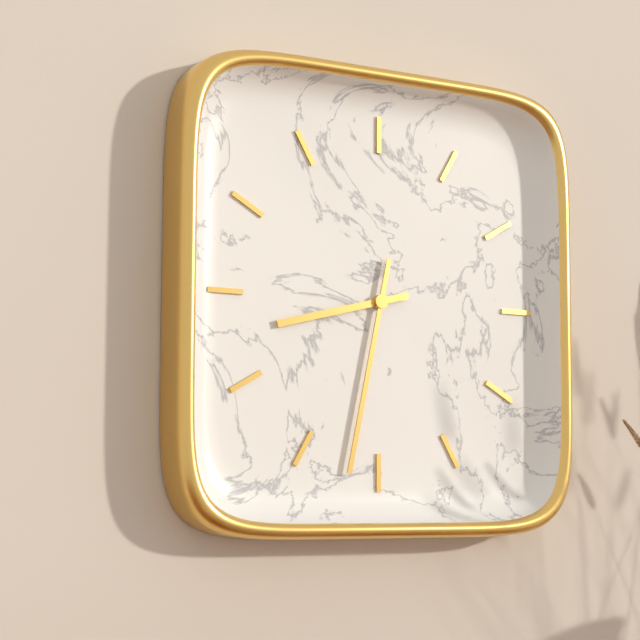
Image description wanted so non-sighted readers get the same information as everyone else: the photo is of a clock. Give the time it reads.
8:32
